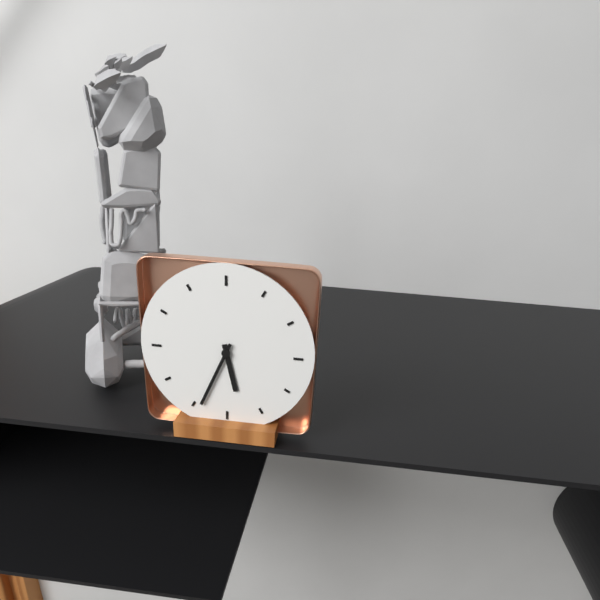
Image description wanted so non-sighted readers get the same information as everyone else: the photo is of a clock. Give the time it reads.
5:34
